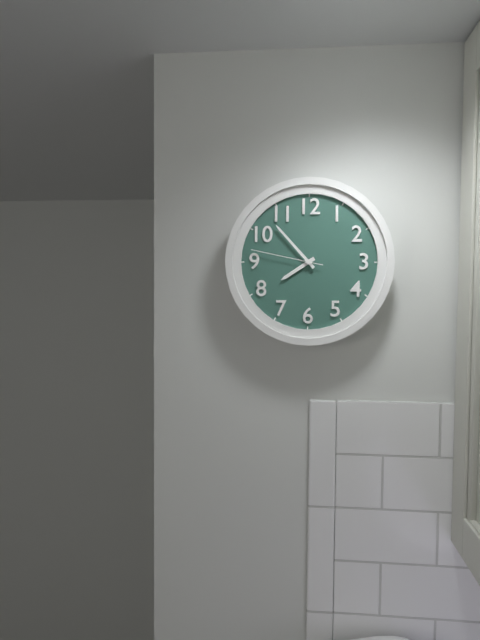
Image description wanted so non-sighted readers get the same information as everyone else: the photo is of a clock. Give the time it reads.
7:53:47
